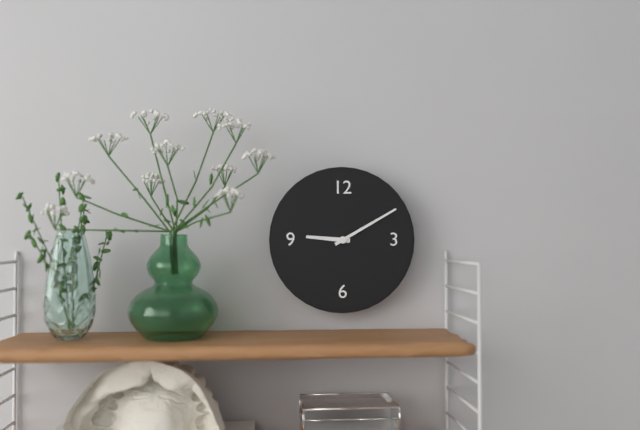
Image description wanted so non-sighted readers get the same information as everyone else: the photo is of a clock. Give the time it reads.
9:10
